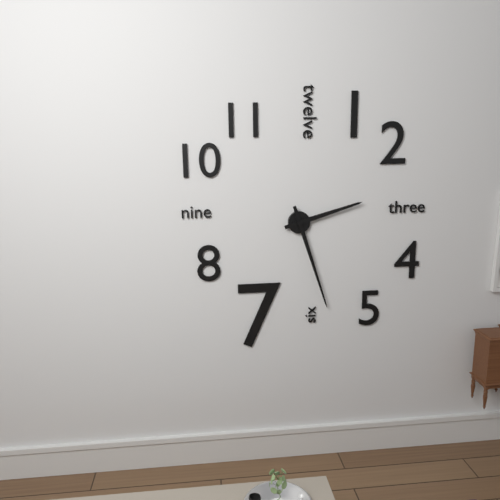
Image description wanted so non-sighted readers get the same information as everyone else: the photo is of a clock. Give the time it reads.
2:27
